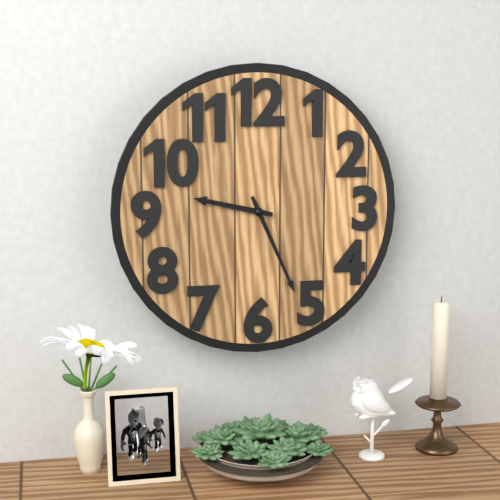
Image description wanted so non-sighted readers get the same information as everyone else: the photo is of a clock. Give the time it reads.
9:26
